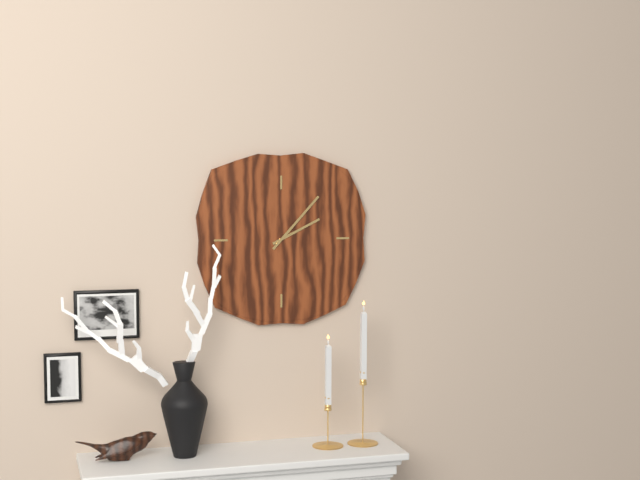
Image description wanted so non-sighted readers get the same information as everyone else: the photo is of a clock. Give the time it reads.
2:07
